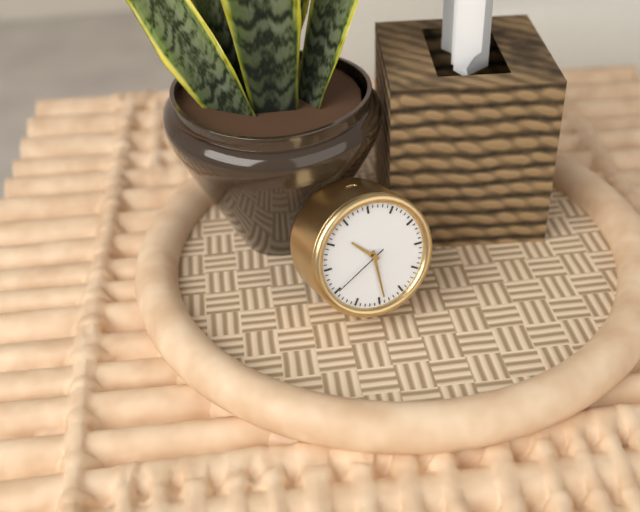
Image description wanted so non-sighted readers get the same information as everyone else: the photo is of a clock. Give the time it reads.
10:29:40
